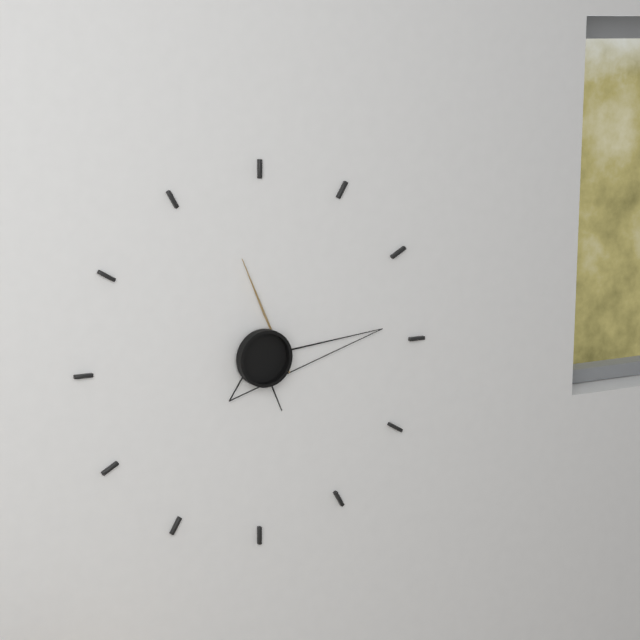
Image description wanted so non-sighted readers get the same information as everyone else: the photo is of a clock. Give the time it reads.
5:14:58
